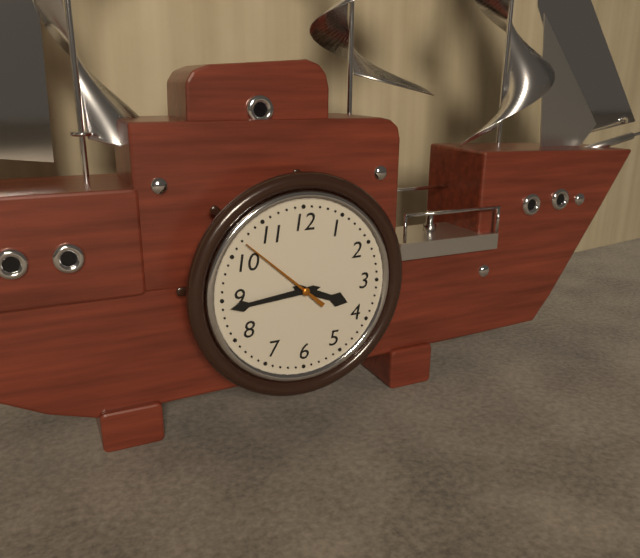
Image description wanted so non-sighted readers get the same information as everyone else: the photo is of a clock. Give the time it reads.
3:44:52
